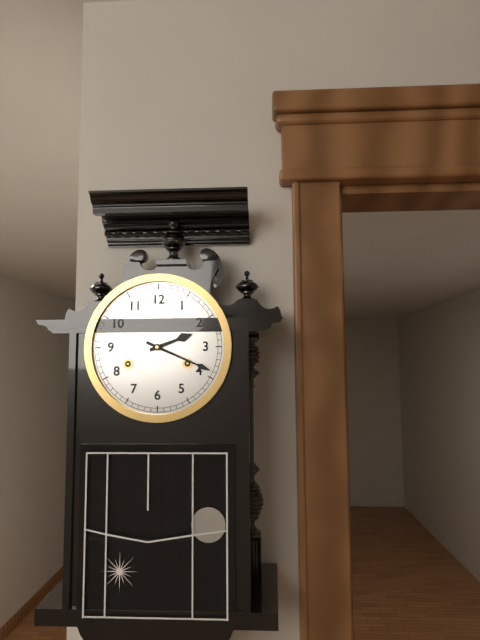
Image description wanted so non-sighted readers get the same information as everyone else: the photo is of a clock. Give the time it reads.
2:19
